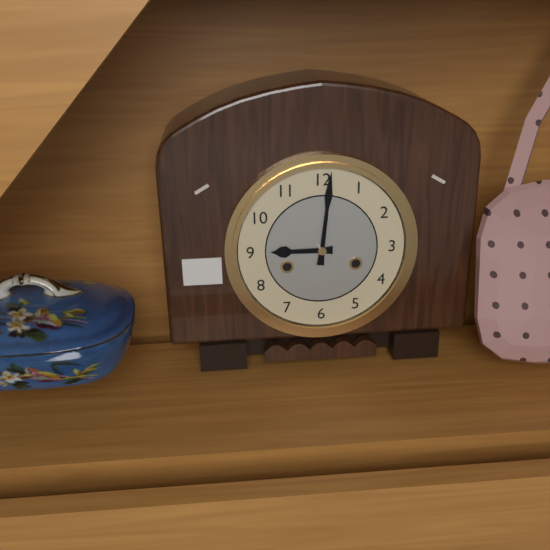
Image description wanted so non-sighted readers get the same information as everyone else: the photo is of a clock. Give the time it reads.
9:01
